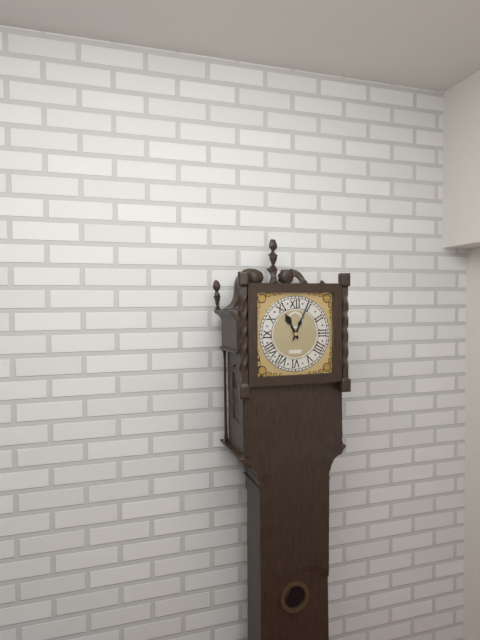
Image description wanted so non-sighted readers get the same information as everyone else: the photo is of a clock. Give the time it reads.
11:04
